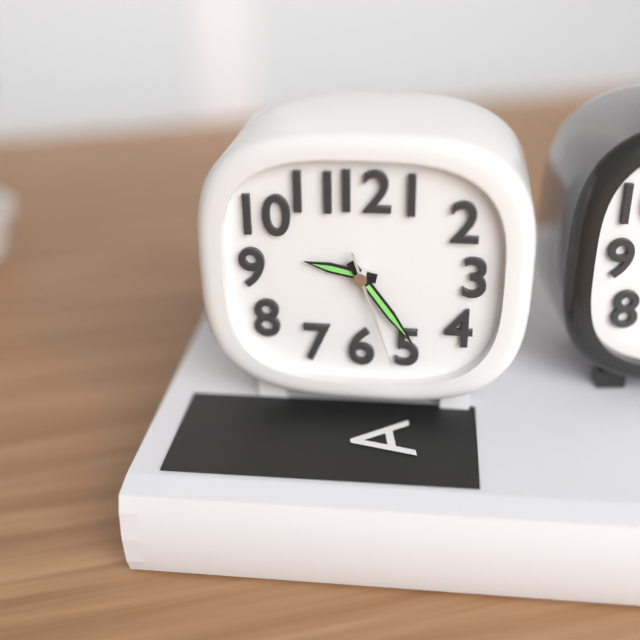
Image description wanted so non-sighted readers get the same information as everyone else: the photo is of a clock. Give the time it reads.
9:24:27
